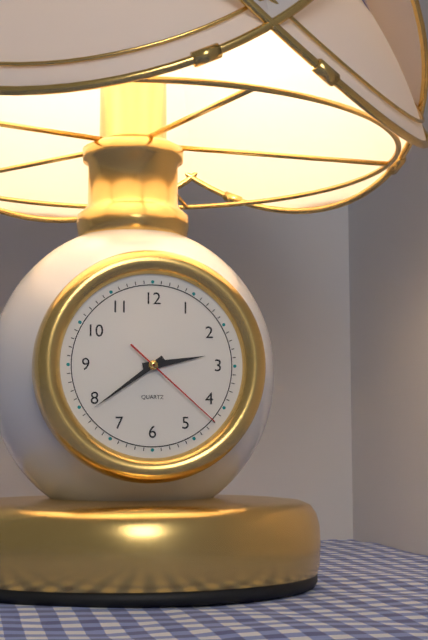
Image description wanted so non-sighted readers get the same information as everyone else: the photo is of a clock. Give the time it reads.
2:39:22
